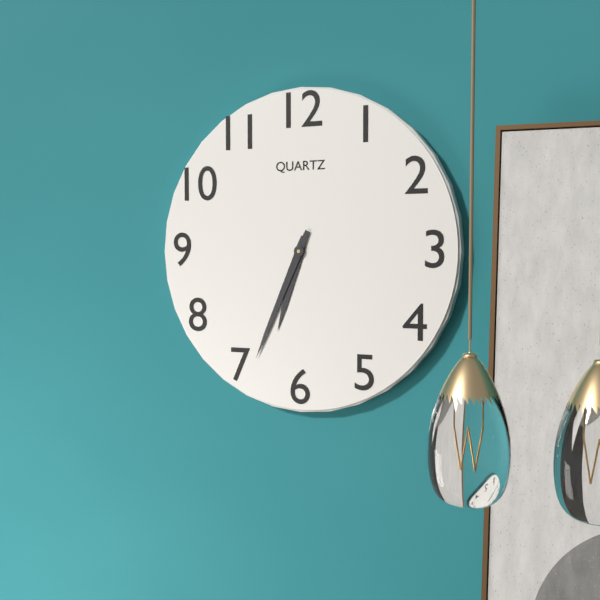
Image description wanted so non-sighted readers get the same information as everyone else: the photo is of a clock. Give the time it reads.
6:34
